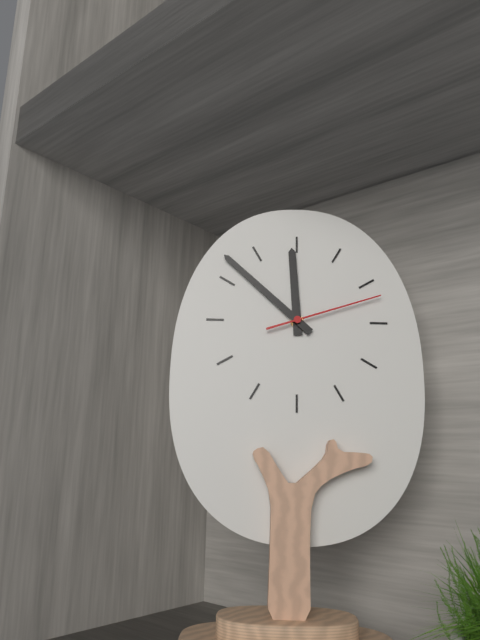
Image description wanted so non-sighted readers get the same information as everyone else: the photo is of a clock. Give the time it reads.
11:52:12
